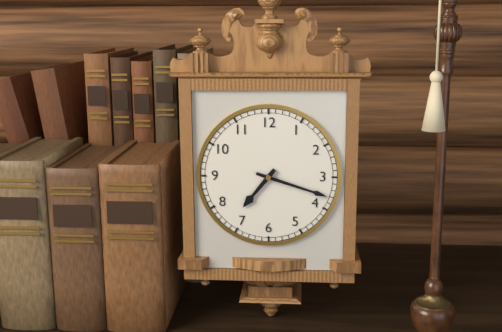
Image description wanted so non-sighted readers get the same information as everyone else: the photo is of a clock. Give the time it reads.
7:18
